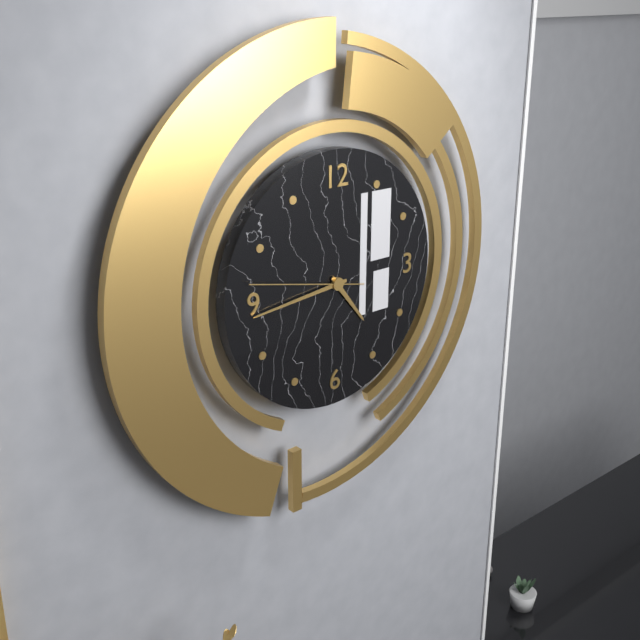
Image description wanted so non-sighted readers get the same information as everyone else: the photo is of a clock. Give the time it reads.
4:44:47
